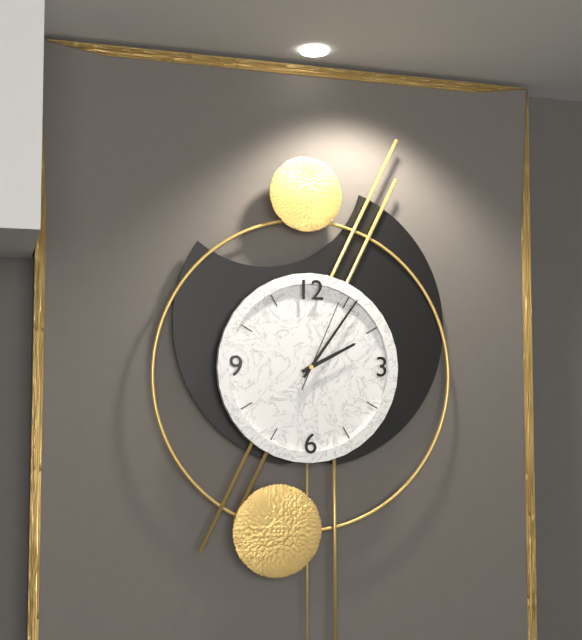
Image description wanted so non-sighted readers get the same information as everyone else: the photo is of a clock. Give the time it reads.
2:06:04
